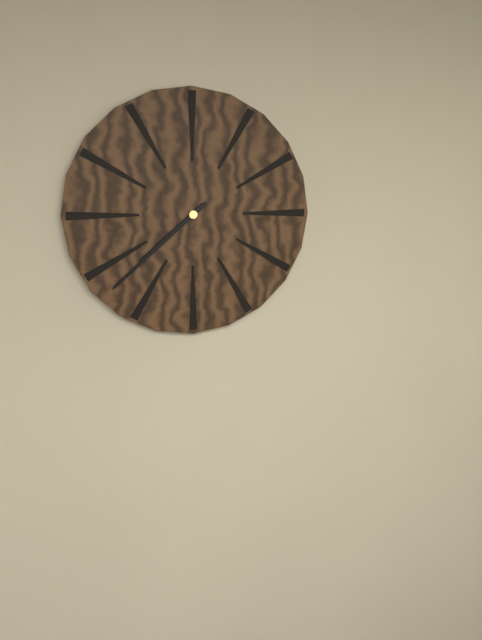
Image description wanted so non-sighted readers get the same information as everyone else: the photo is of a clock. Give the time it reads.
7:38
